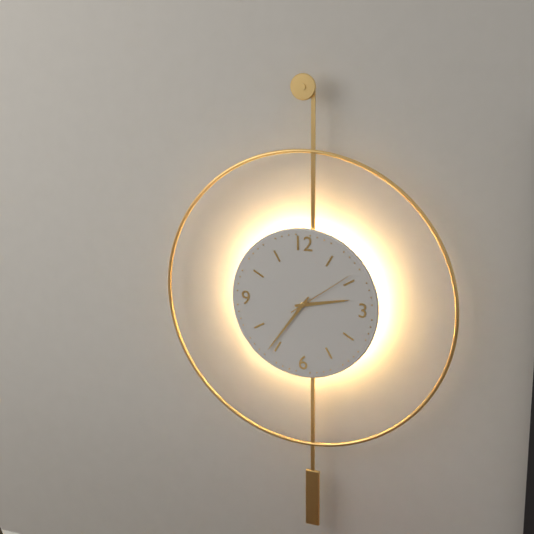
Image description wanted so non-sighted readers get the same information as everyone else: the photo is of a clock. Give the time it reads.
2:36:09
